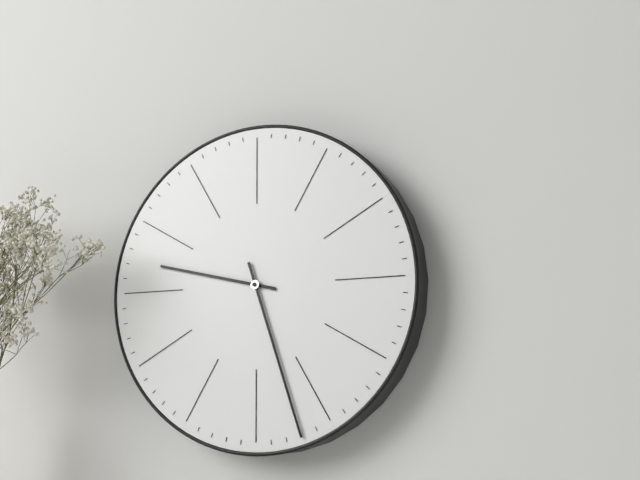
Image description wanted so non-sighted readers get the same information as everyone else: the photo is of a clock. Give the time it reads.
9:27
